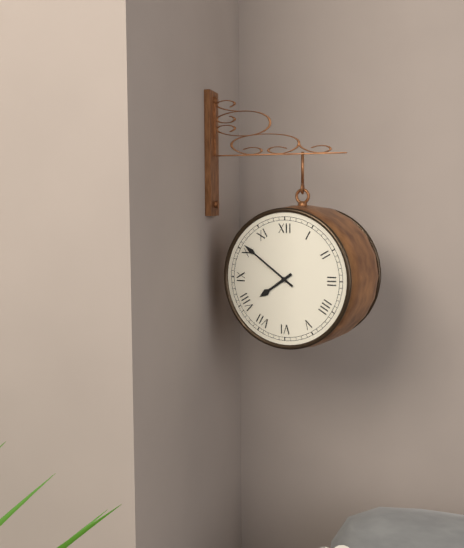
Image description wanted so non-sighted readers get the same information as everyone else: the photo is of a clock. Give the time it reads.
7:51
